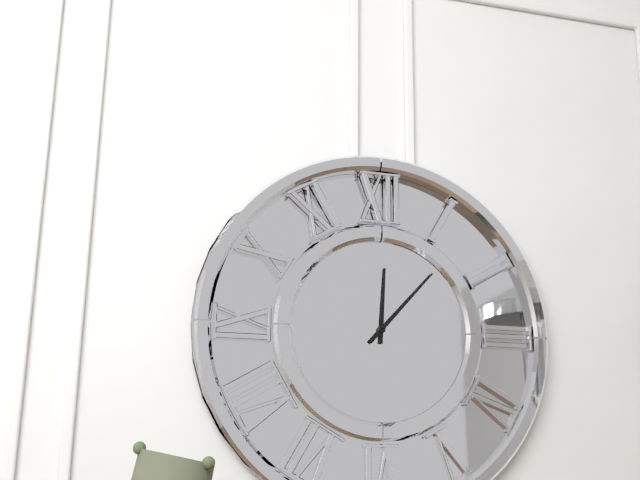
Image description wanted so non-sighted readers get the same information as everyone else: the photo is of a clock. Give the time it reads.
12:07
